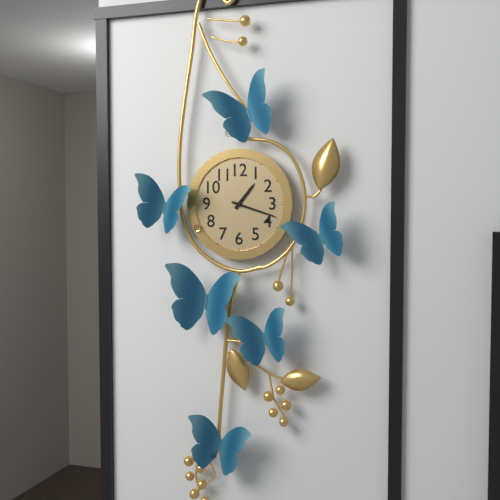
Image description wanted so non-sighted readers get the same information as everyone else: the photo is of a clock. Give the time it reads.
1:18
